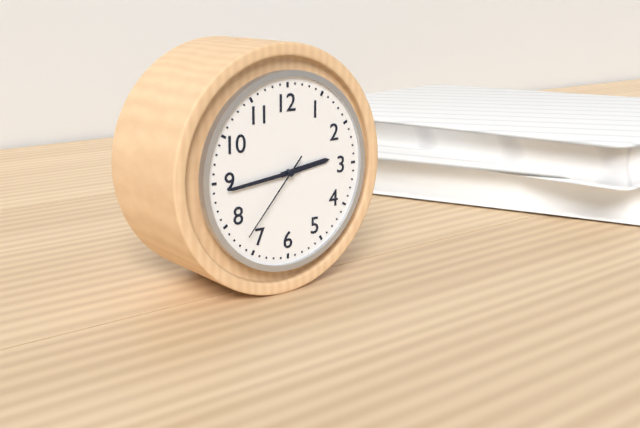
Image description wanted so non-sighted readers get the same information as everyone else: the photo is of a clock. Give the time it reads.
2:44:37
